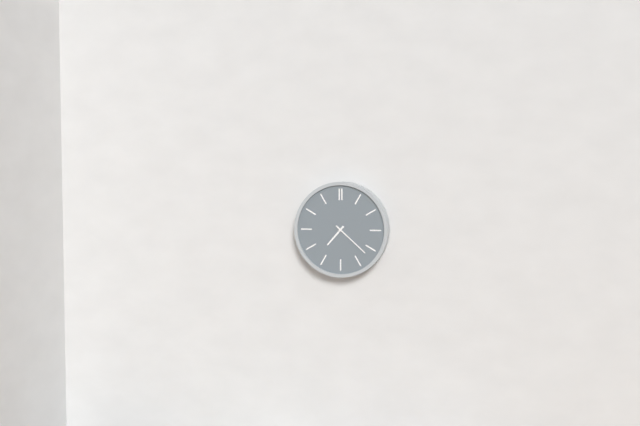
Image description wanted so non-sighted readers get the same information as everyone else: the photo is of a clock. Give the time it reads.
7:22
